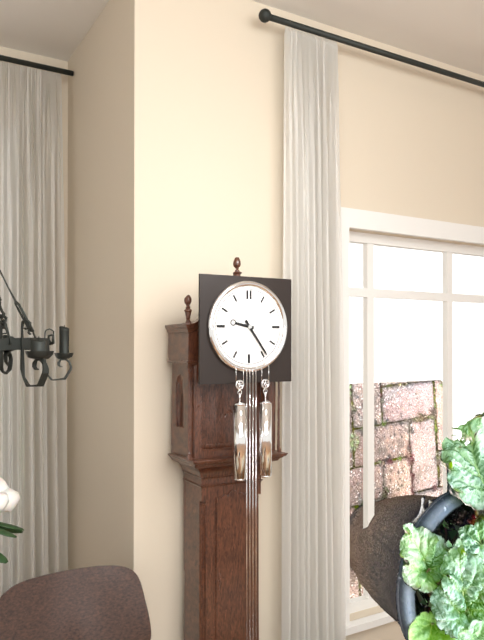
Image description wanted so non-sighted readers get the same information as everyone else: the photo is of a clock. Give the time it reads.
9:24
